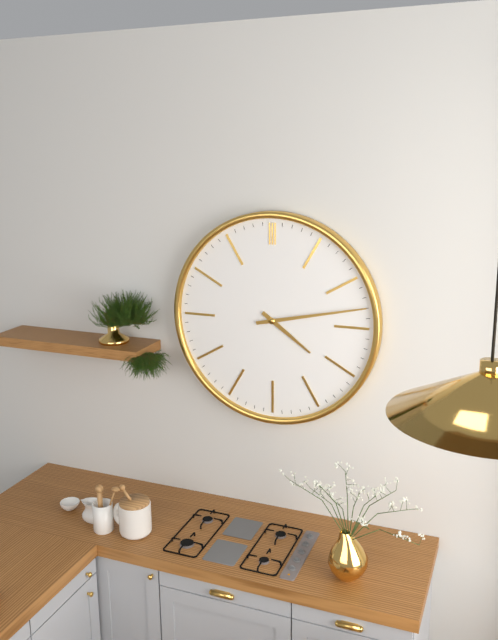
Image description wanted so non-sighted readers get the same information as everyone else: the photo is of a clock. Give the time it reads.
4:13
